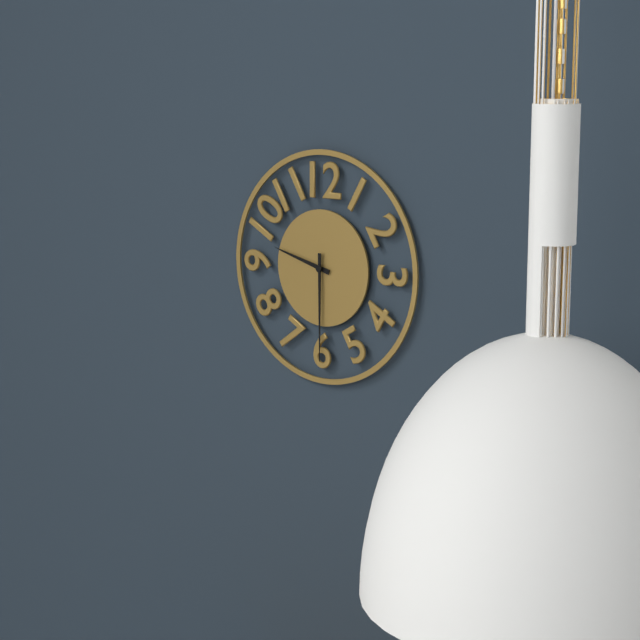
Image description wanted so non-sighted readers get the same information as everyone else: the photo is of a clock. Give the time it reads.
9:30
